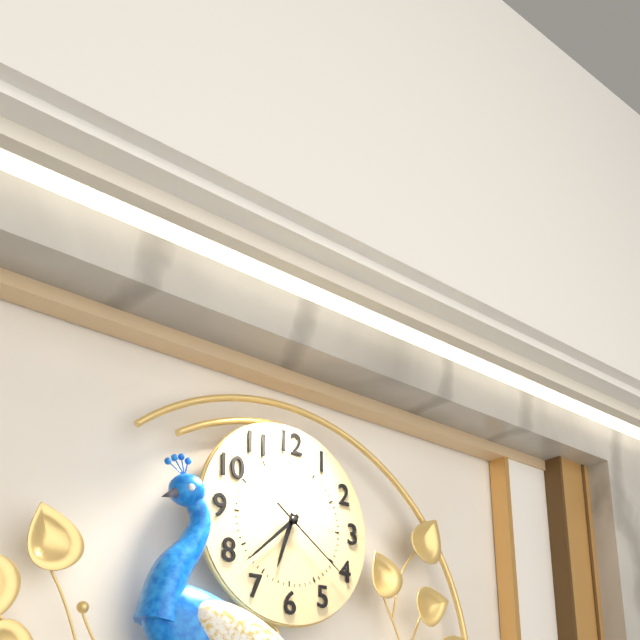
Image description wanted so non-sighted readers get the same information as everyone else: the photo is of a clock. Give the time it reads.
6:38:21
